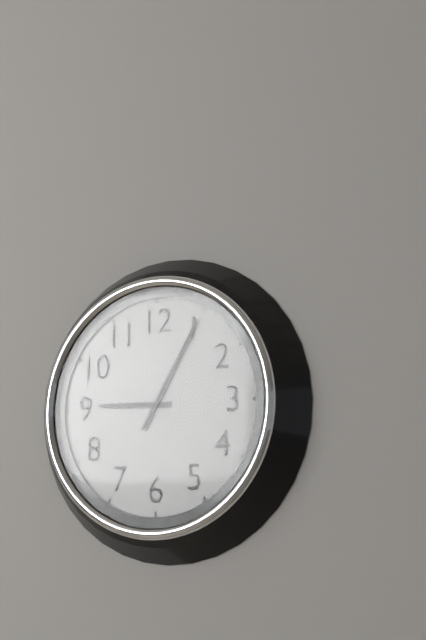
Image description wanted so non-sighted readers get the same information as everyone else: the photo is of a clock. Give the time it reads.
9:05
